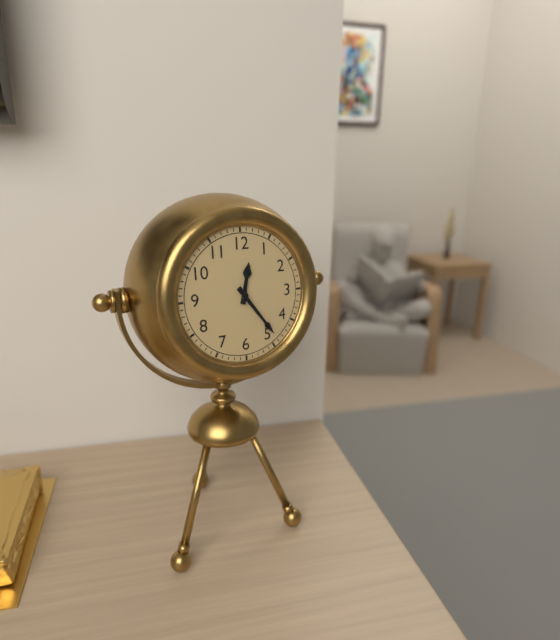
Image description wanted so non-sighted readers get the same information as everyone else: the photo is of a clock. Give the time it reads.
12:24
